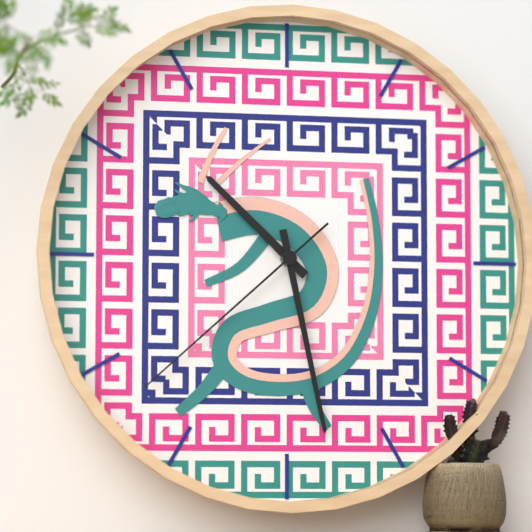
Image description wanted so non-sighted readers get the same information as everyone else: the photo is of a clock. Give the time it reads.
10:28:38
